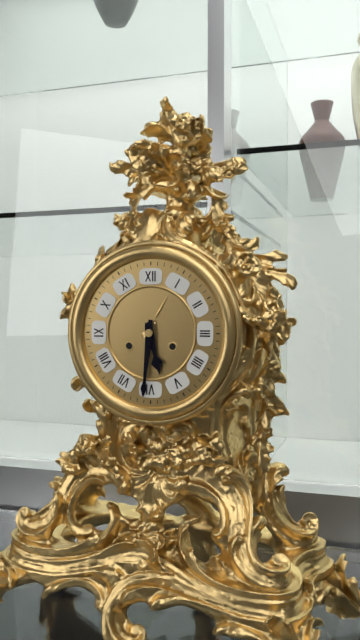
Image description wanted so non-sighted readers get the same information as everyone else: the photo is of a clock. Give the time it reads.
5:31
